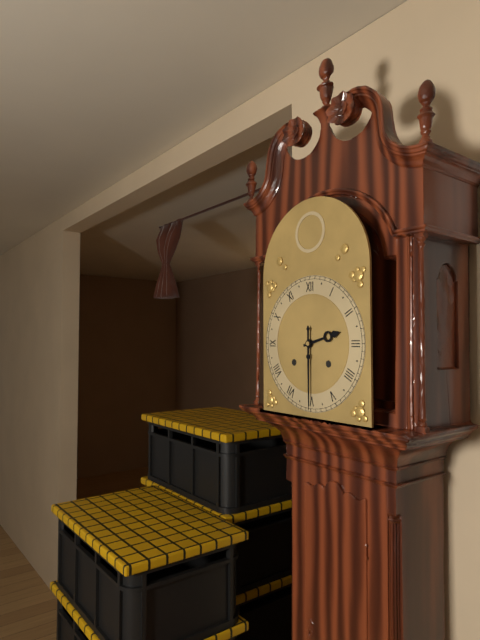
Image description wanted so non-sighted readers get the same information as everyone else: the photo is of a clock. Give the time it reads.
2:30
